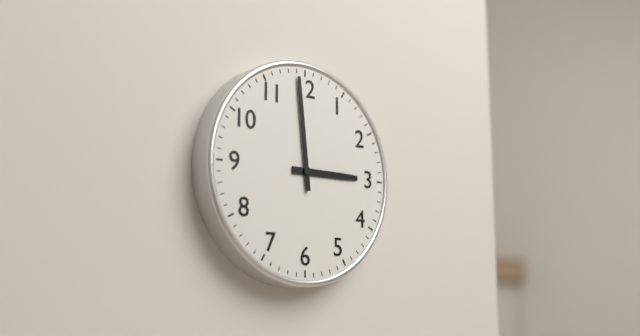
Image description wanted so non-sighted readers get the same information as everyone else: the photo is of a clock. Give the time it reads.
2:59
